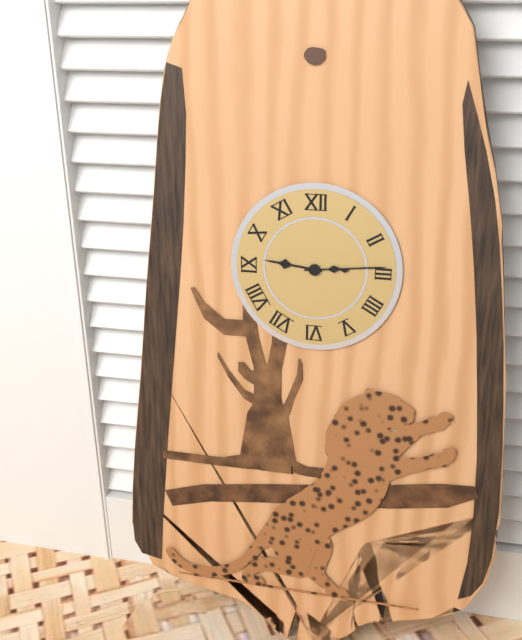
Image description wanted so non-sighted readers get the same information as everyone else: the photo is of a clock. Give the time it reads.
9:14
